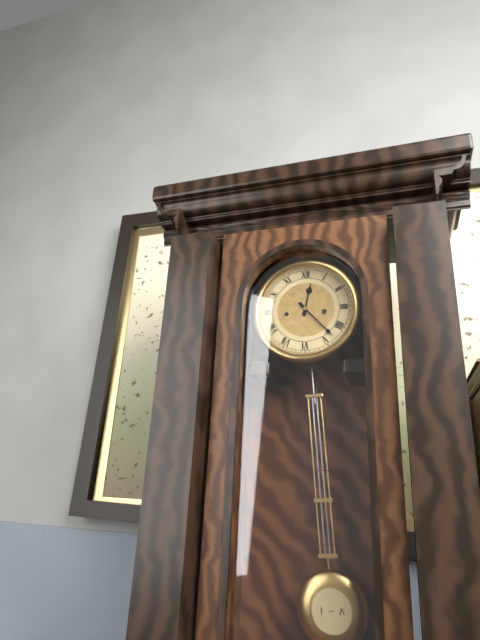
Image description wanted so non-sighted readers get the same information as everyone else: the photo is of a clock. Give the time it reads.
12:23
